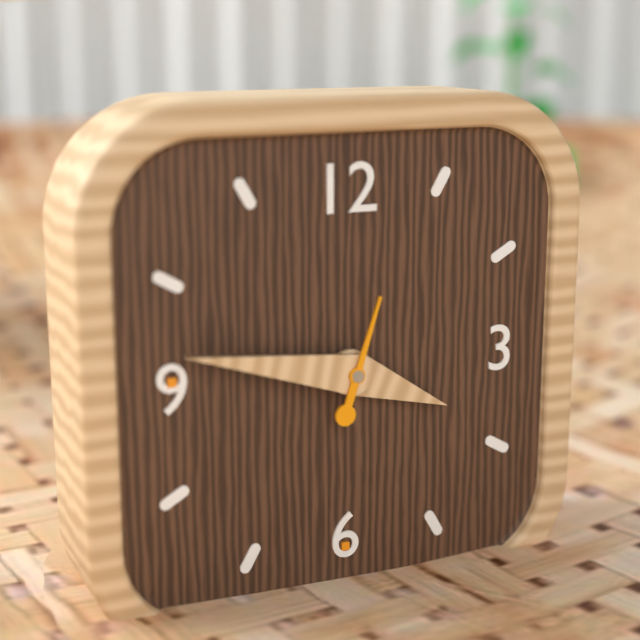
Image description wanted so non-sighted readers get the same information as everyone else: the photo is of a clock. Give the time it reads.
3:47:03
